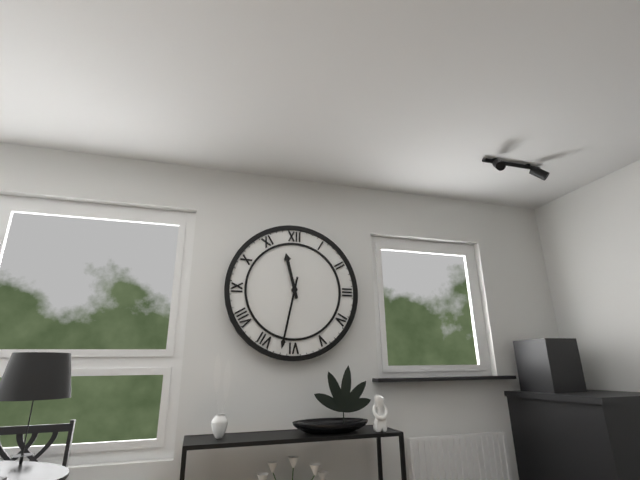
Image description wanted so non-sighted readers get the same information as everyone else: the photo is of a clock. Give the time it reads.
11:32
